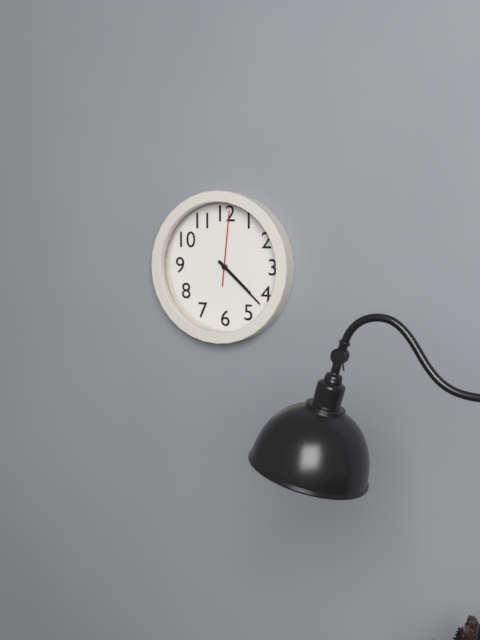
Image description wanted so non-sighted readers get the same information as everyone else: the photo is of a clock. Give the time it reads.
4:22:01
